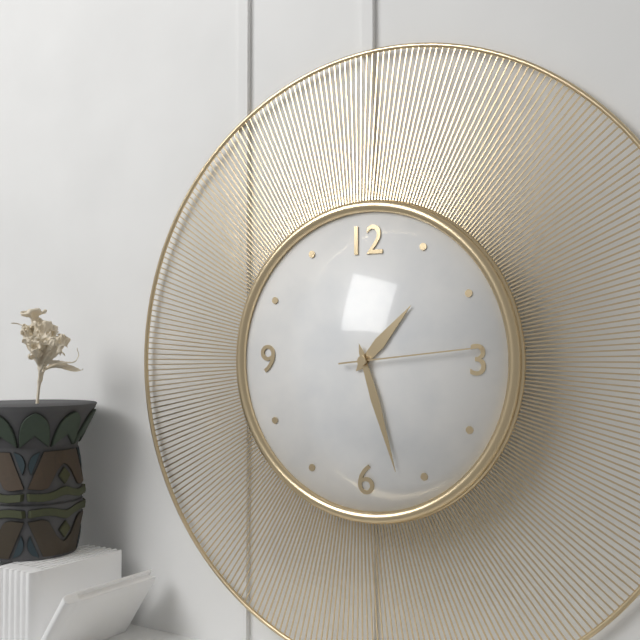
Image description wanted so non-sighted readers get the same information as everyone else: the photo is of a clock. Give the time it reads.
1:27:14
